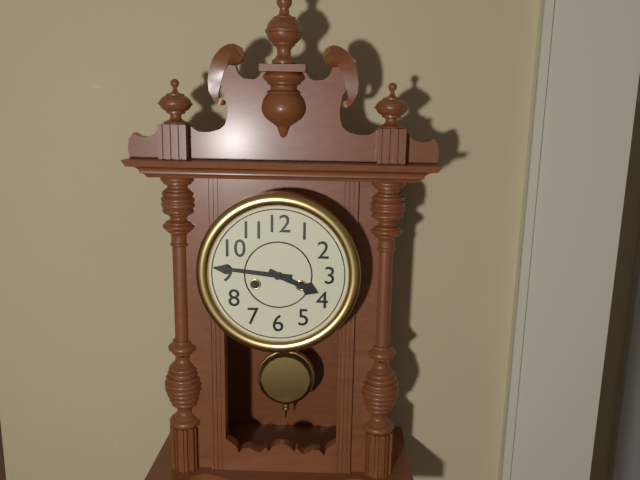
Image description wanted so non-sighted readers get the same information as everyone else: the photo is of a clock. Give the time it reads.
3:46
